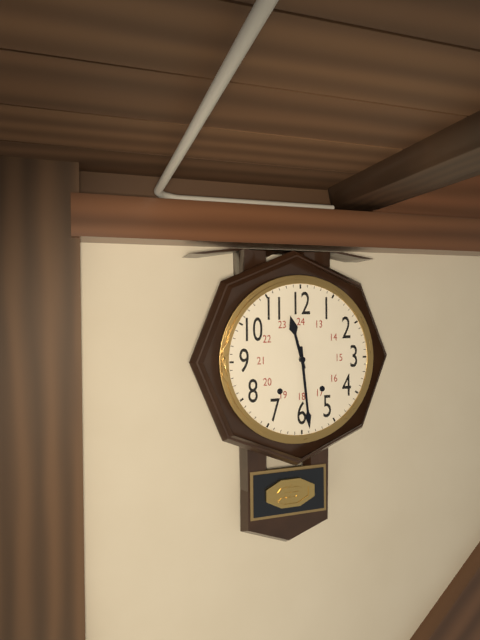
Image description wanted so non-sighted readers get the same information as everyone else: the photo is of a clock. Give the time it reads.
11:29
